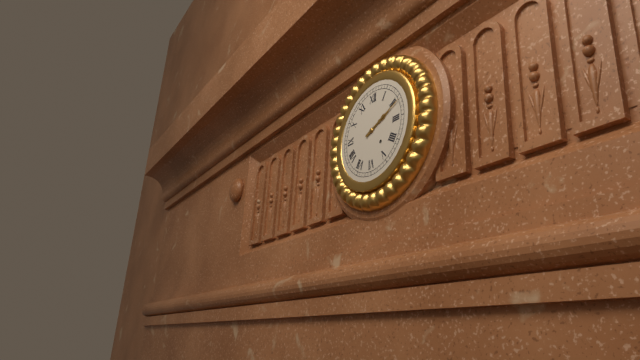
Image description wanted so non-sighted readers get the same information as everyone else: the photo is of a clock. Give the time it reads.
2:11
